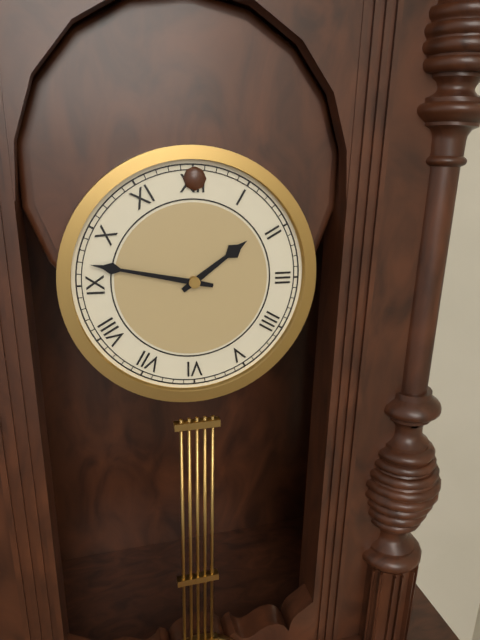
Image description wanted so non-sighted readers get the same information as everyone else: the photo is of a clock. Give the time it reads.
1:47
